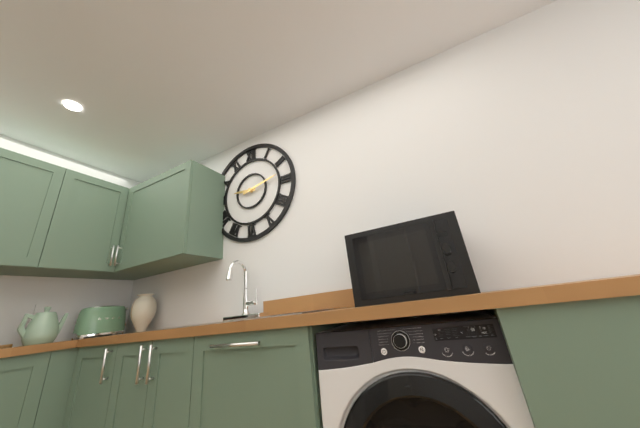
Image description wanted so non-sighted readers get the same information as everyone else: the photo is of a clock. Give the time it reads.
9:13
